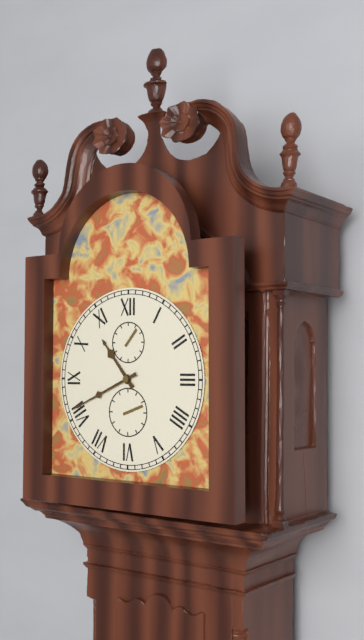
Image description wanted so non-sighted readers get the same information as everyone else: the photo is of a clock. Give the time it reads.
10:41
